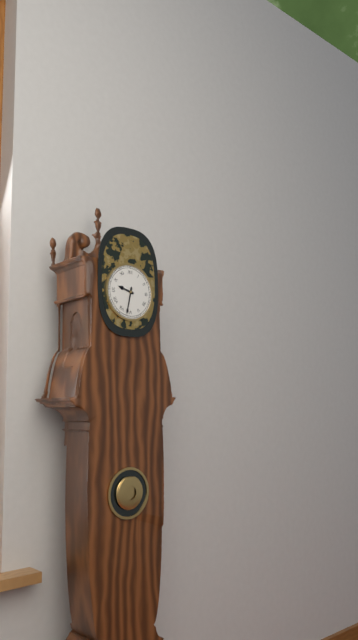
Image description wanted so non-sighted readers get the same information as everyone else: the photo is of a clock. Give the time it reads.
9:32
